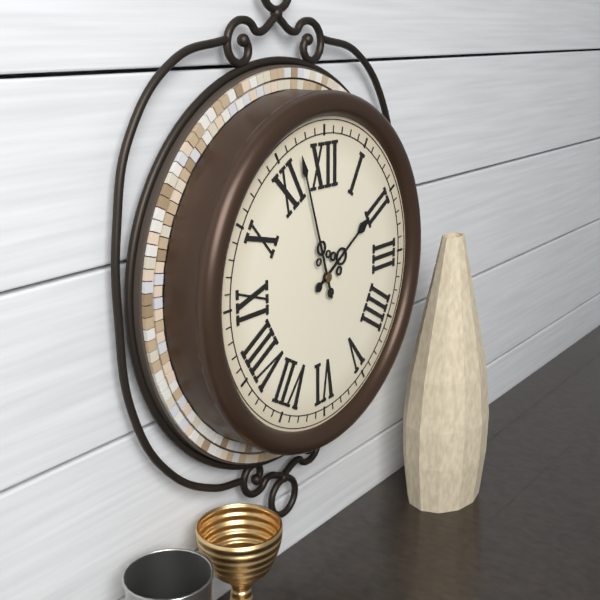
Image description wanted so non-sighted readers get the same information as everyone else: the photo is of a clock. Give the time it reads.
1:57
